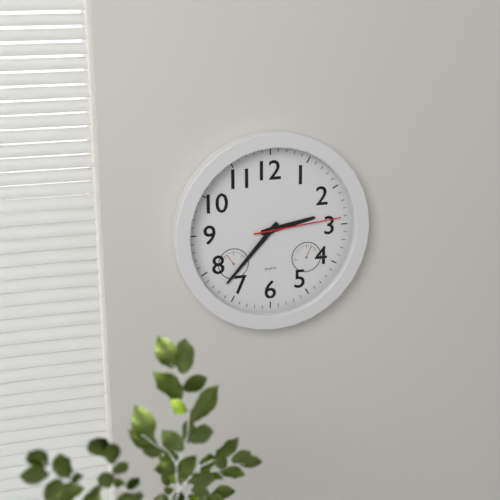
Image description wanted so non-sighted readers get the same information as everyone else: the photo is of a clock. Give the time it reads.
2:37:14
